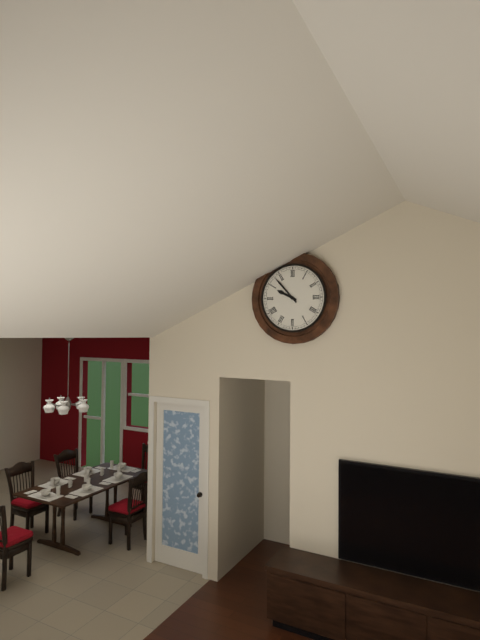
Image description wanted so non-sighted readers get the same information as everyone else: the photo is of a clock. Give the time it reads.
9:53
